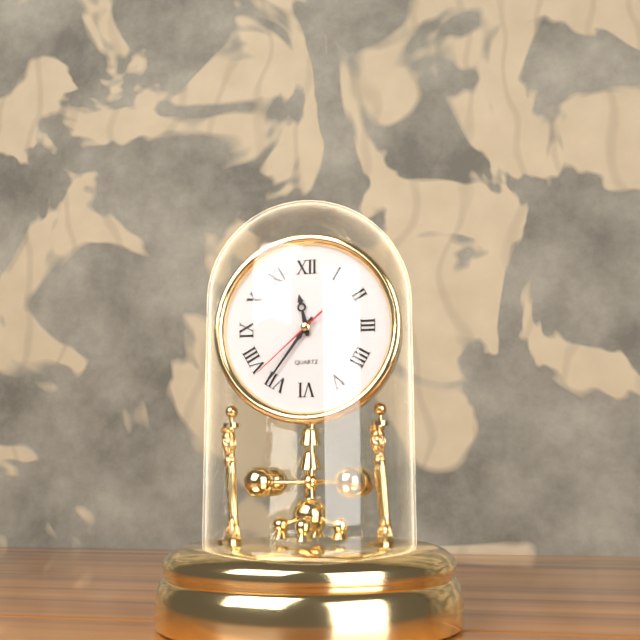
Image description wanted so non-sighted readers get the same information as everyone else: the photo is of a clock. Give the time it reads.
11:36:38
